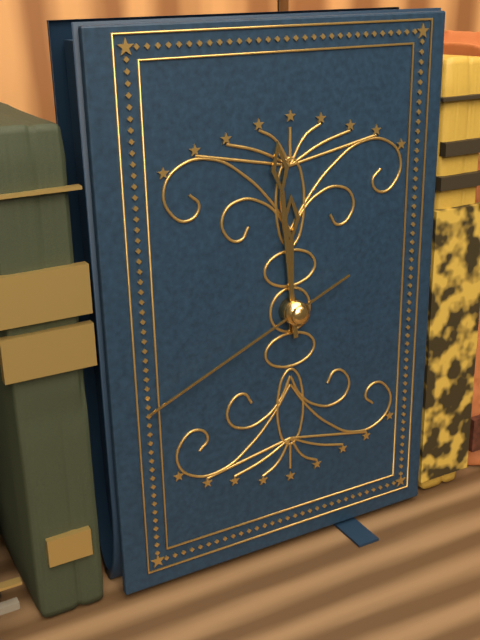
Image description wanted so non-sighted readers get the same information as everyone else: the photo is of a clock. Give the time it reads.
11:59:41
